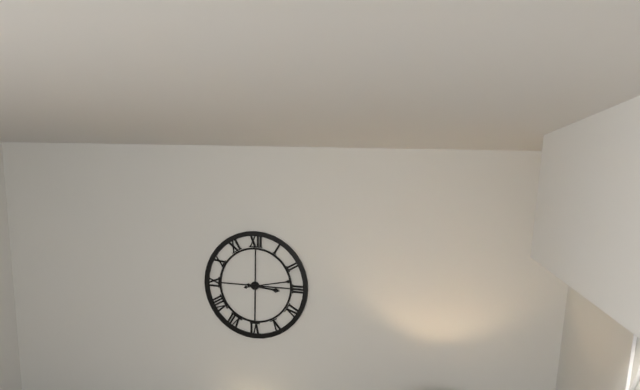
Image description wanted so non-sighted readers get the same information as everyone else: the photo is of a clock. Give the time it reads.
3:13
